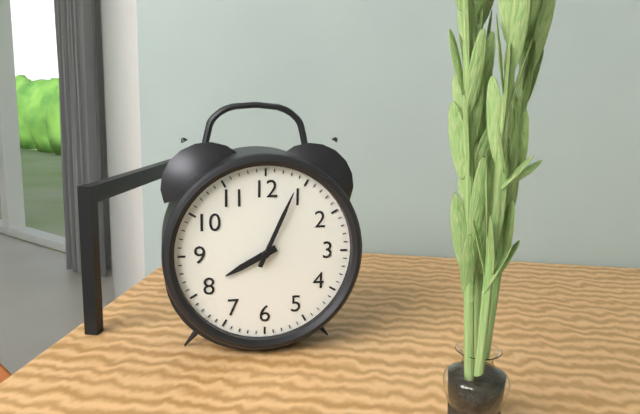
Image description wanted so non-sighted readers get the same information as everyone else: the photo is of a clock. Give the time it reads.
8:04
